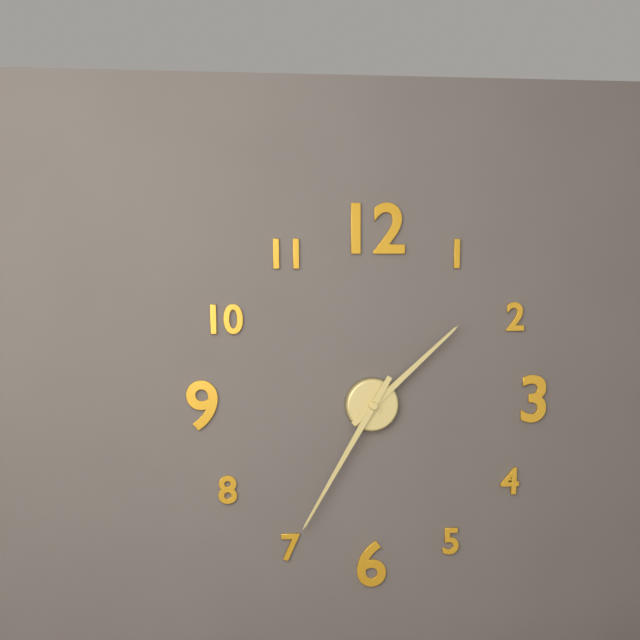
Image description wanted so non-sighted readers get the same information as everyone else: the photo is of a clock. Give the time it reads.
1:35
